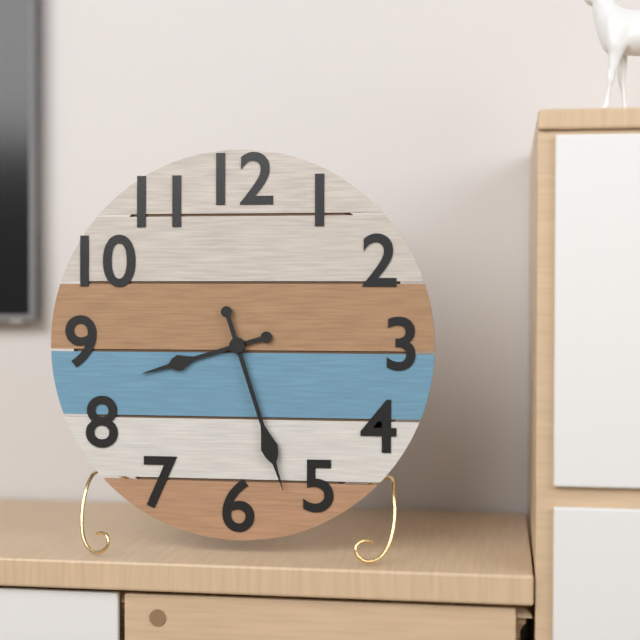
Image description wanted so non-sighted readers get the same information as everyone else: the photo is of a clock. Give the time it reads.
8:27
